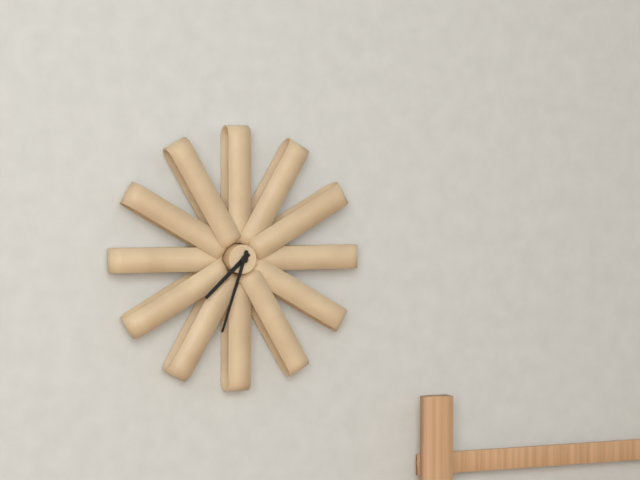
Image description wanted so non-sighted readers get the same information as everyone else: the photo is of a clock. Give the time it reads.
7:33
